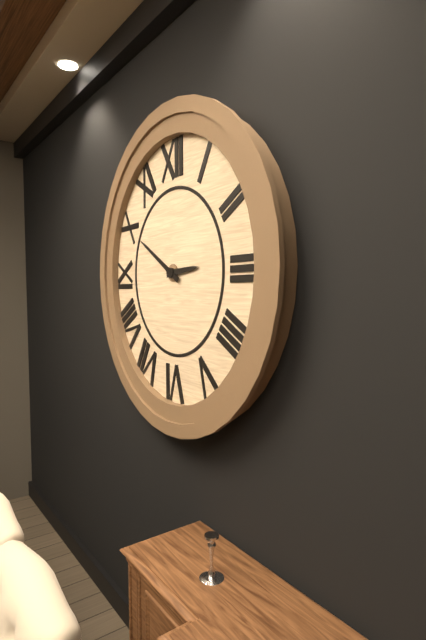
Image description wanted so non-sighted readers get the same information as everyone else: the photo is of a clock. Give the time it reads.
2:50
